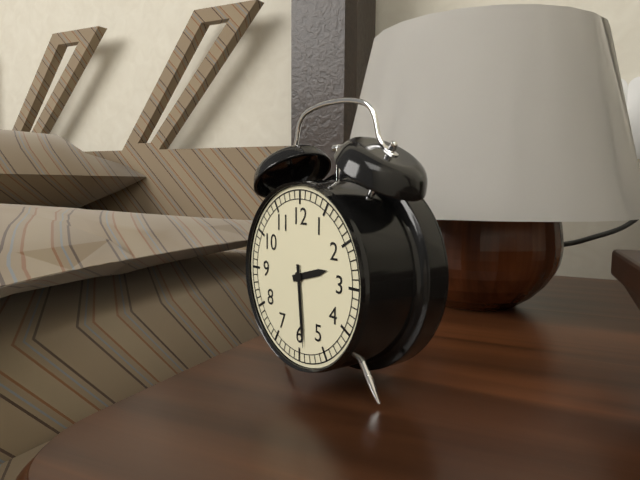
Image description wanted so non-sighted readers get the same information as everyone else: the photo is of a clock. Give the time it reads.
2:29
